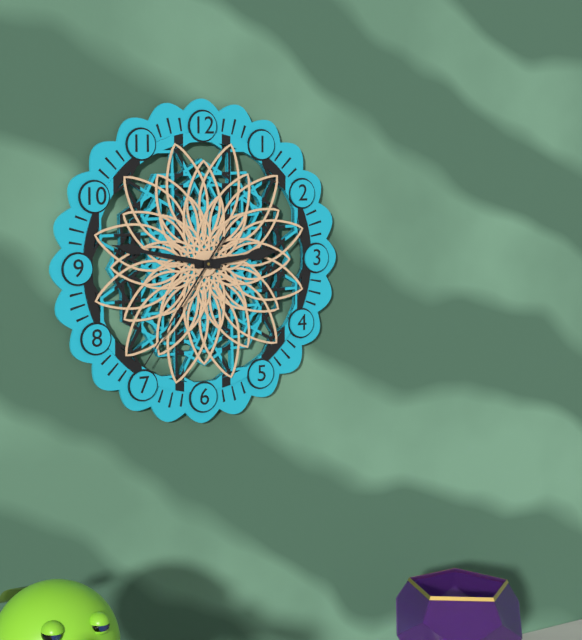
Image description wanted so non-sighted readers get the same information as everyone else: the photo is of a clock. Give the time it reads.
2:47:36
